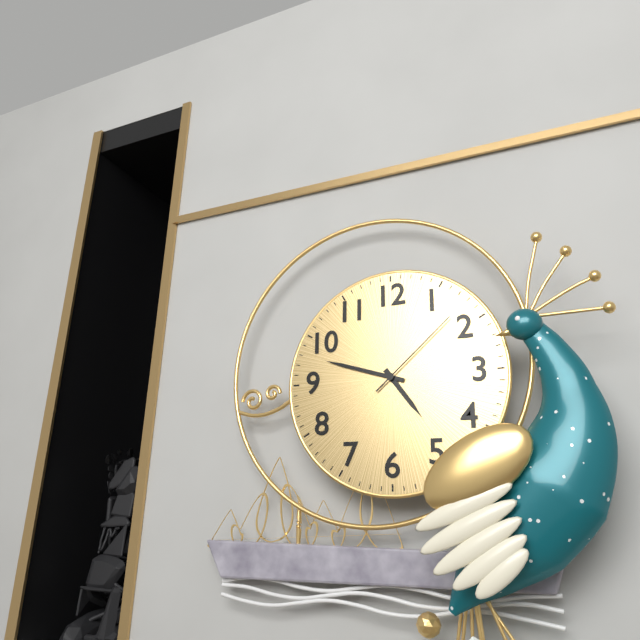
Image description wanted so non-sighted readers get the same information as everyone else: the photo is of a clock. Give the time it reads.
4:48:08
